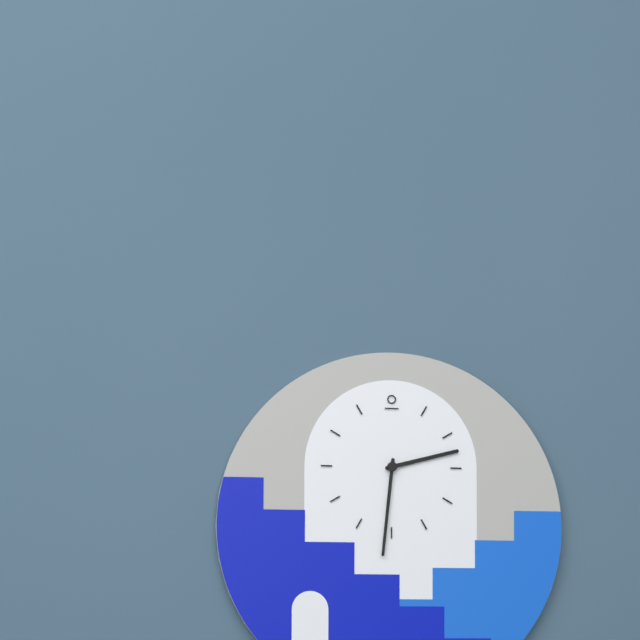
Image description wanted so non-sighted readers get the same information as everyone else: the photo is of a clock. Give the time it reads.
2:31
